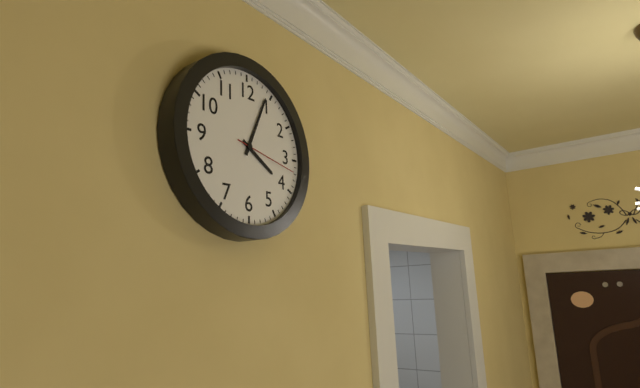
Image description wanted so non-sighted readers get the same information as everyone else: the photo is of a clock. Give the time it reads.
4:04:17
